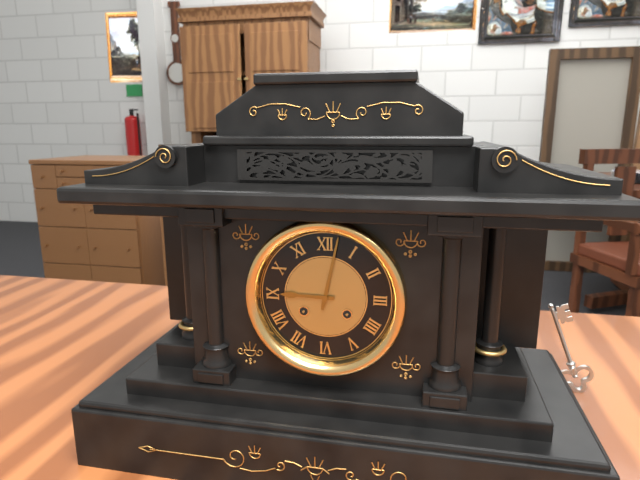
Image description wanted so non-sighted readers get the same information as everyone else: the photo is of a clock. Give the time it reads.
9:02
